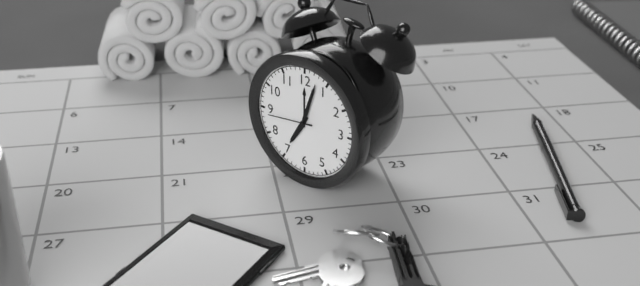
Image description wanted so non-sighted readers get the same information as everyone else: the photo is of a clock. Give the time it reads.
7:03
